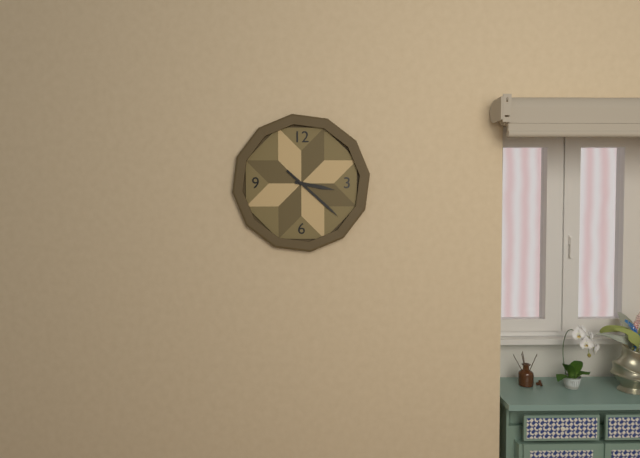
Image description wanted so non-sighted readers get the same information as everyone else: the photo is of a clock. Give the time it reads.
3:22
